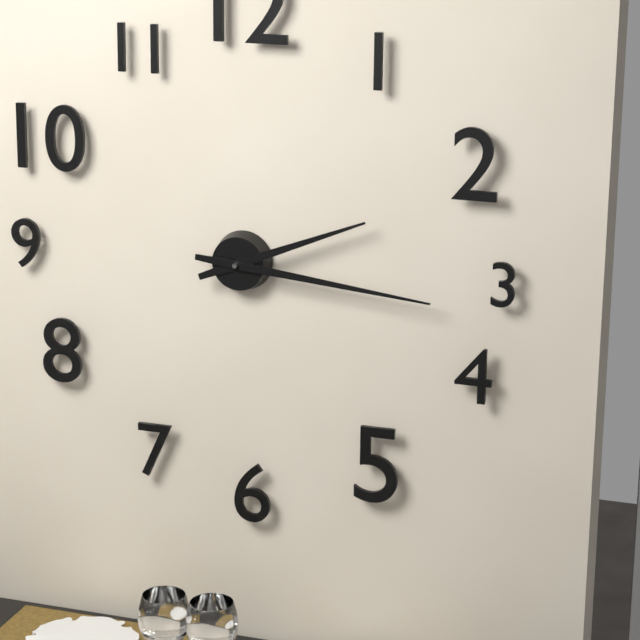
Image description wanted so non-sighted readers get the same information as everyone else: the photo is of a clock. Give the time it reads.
2:16
